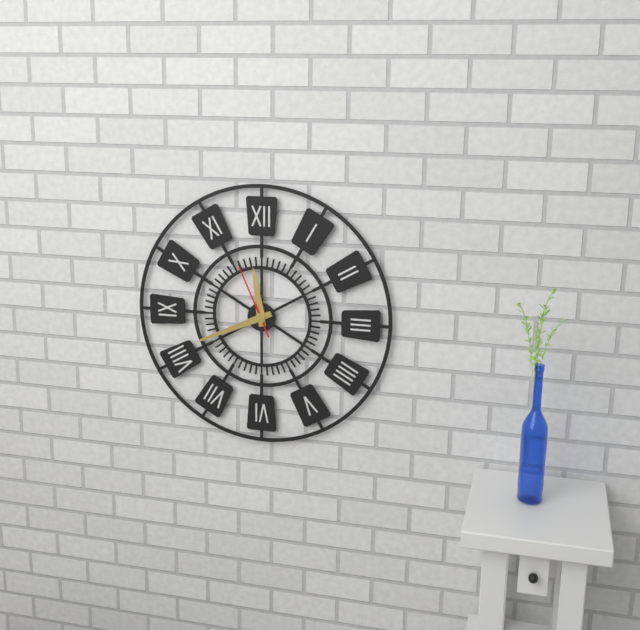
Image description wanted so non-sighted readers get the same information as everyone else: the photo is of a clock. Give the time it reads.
11:41:56
